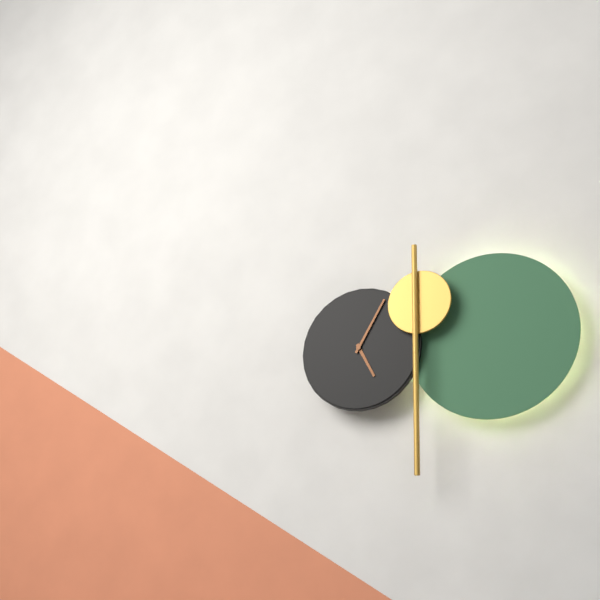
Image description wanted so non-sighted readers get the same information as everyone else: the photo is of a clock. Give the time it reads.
5:05
